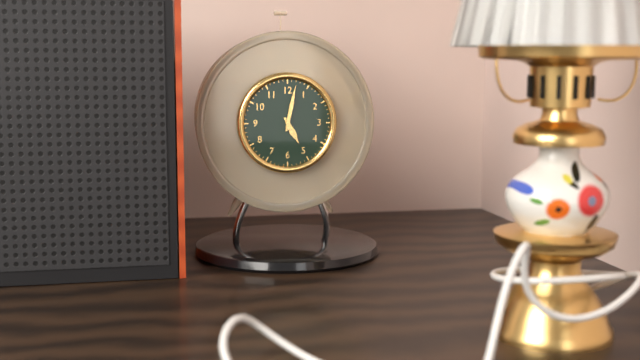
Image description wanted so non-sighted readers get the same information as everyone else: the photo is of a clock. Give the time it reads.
5:02
